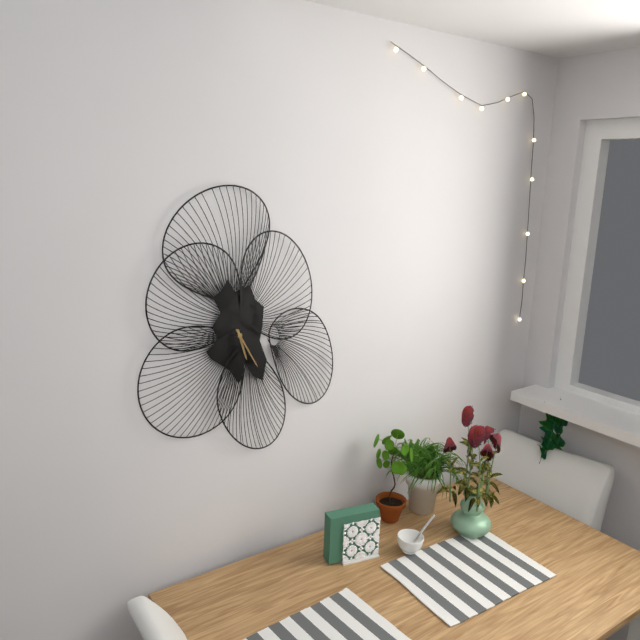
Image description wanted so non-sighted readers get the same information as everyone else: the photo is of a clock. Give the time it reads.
5:25
